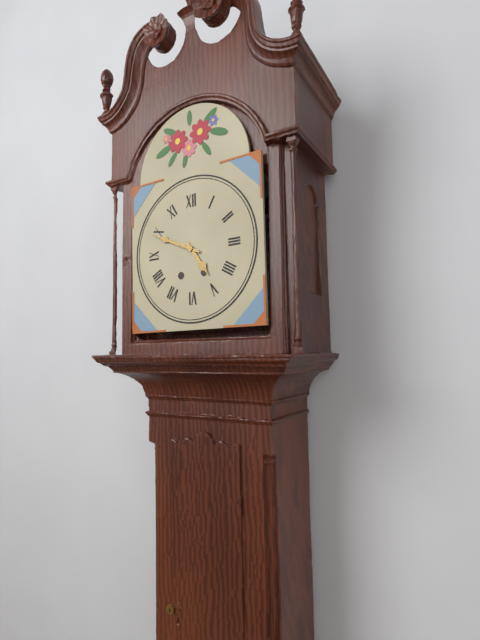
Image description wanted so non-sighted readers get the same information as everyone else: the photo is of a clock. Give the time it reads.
4:49
